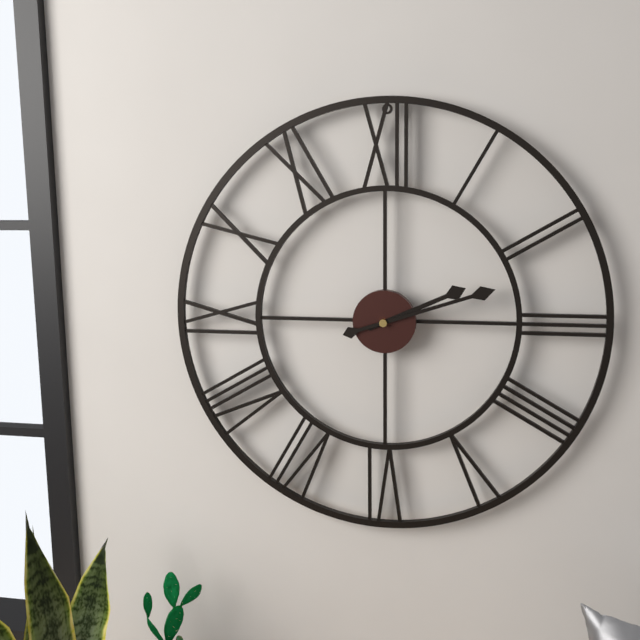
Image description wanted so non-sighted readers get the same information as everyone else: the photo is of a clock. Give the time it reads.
2:12
